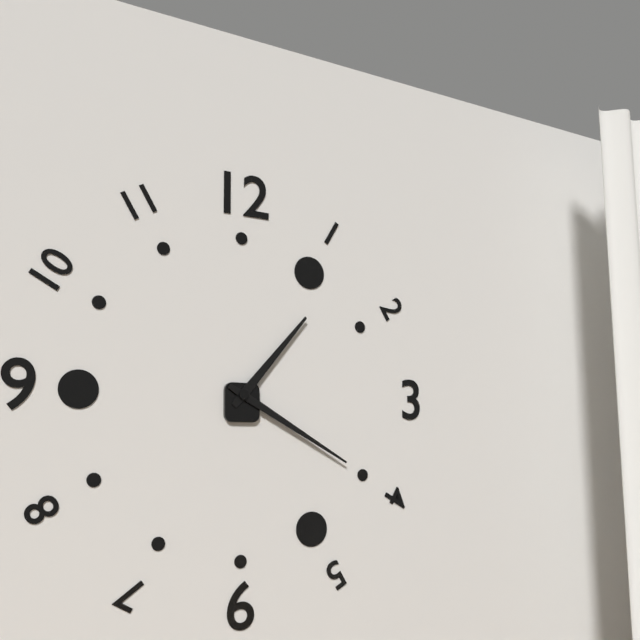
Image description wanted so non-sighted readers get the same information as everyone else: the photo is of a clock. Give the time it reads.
1:20
